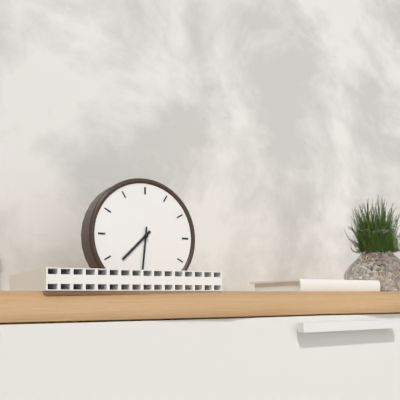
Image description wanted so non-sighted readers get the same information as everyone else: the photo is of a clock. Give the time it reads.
7:31
